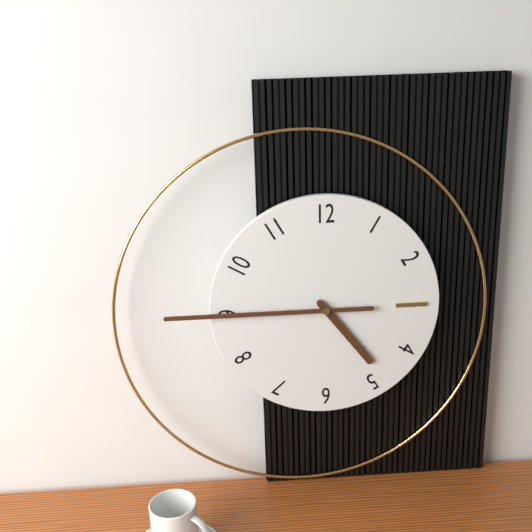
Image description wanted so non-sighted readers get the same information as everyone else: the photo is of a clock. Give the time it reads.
4:45
